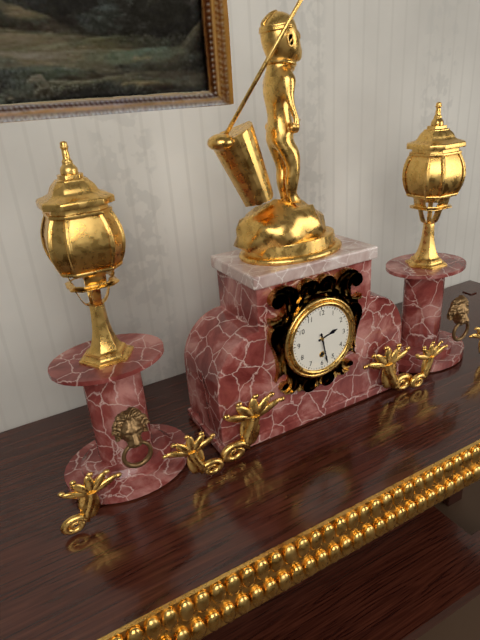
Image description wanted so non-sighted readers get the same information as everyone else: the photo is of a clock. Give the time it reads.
2:28
